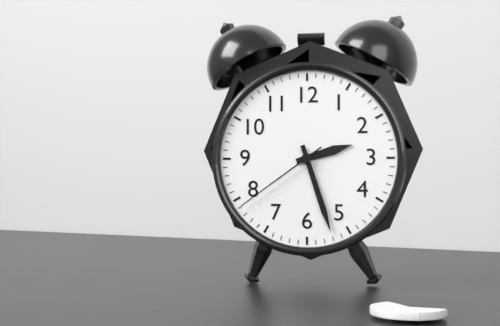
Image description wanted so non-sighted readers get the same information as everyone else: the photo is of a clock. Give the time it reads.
2:27:39
